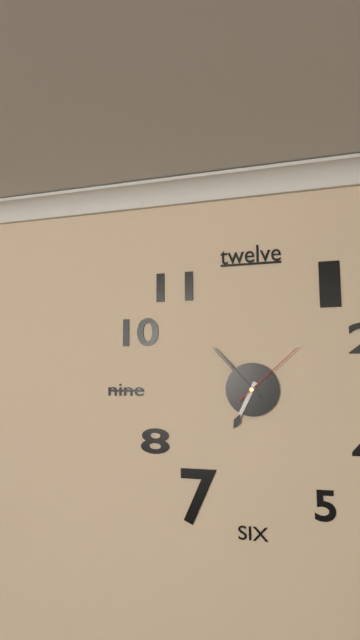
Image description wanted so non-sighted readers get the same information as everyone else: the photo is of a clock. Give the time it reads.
6:53:08
